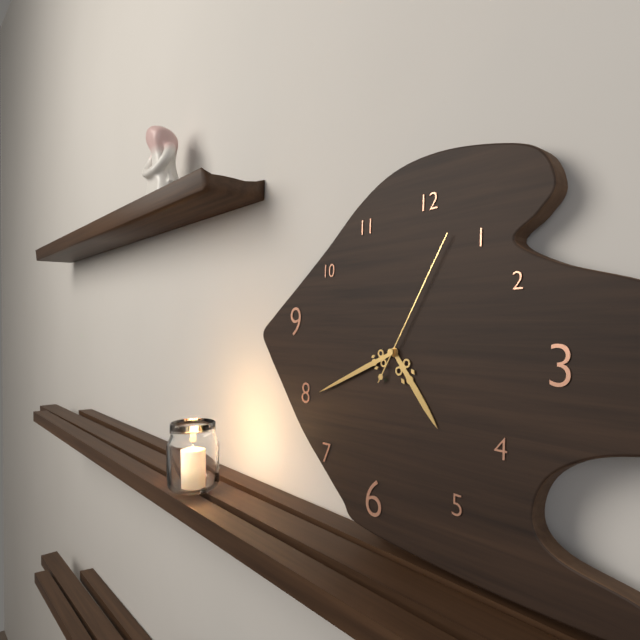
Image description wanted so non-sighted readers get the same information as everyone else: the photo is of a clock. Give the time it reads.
4:41:05
